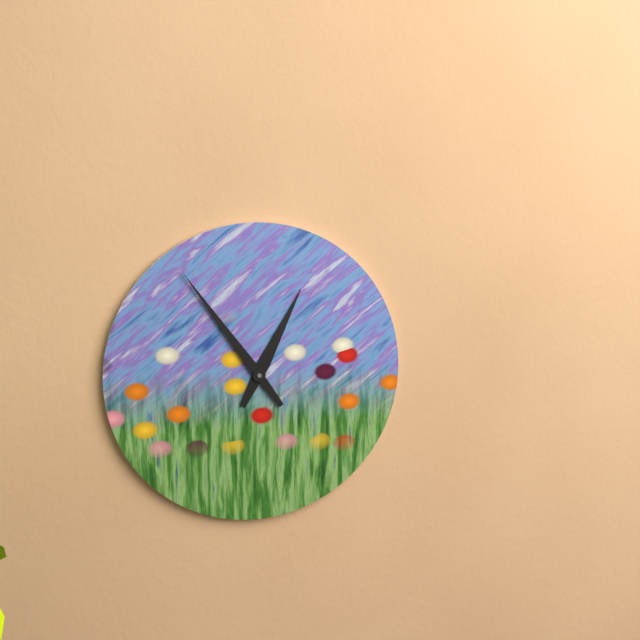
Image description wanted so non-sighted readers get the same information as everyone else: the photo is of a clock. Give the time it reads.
12:54
